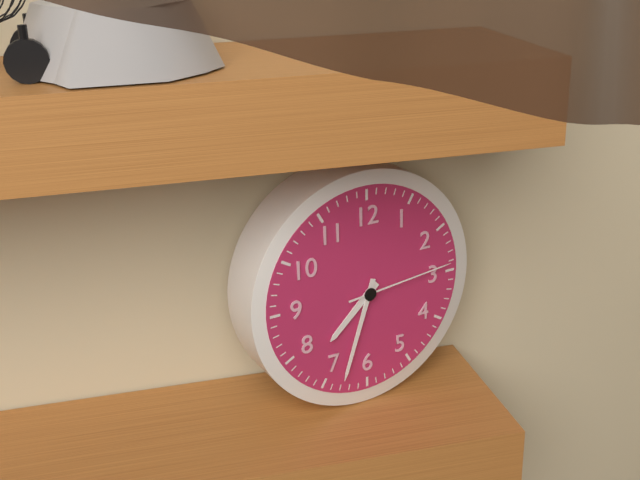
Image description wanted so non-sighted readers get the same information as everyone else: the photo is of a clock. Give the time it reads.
7:33:14
